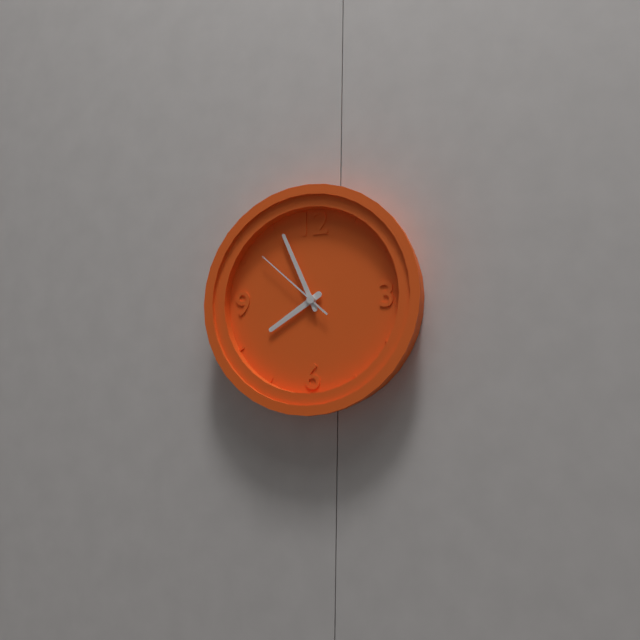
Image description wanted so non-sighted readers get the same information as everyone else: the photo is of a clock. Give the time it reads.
7:56:52
